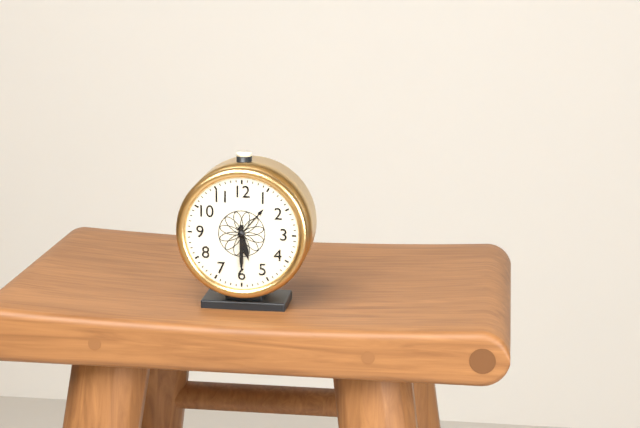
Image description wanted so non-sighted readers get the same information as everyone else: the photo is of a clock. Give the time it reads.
5:30
